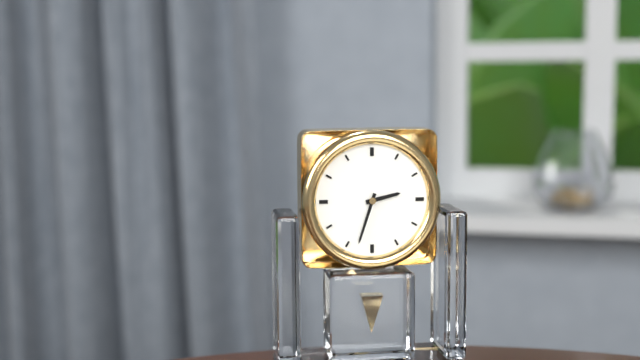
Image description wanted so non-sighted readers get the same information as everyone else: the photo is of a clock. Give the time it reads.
2:33
